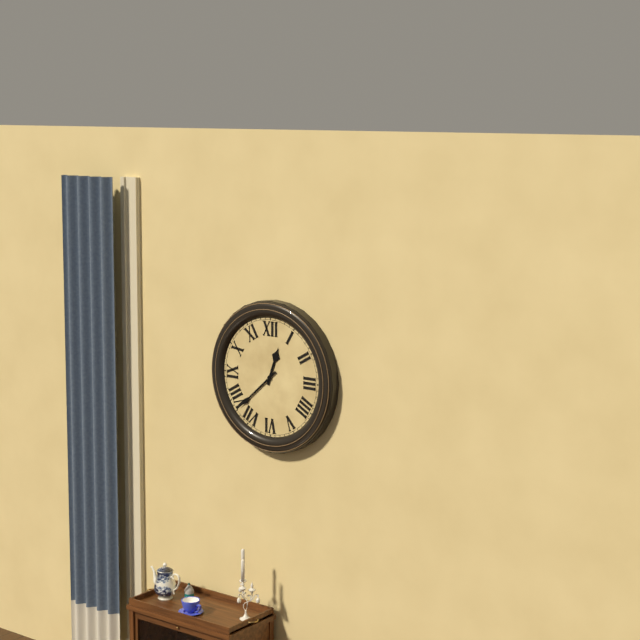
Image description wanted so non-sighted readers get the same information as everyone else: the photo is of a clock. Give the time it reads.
12:38
